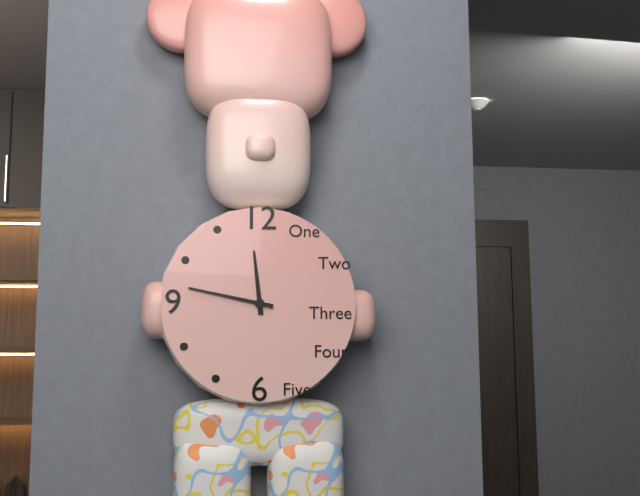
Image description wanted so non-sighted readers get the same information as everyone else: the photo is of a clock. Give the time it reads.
11:47
